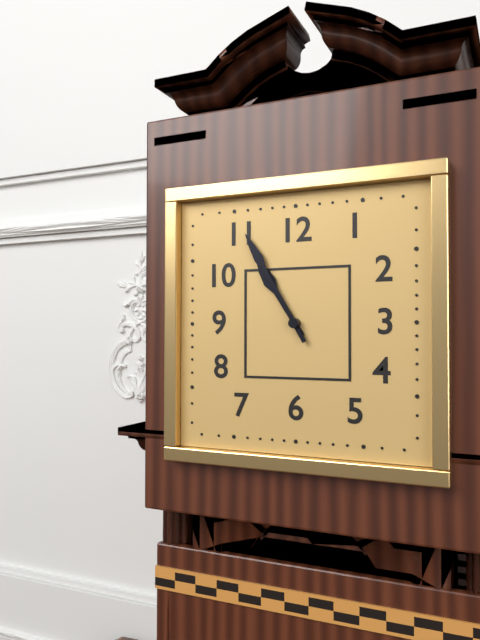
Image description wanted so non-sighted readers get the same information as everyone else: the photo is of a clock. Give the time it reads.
10:55
